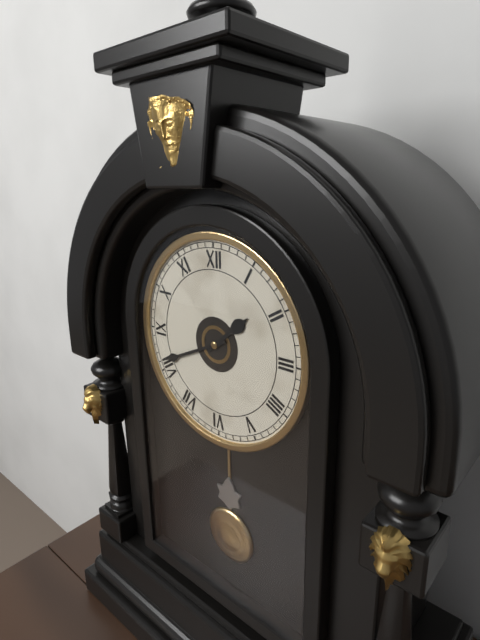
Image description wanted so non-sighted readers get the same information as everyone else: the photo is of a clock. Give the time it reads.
1:41
